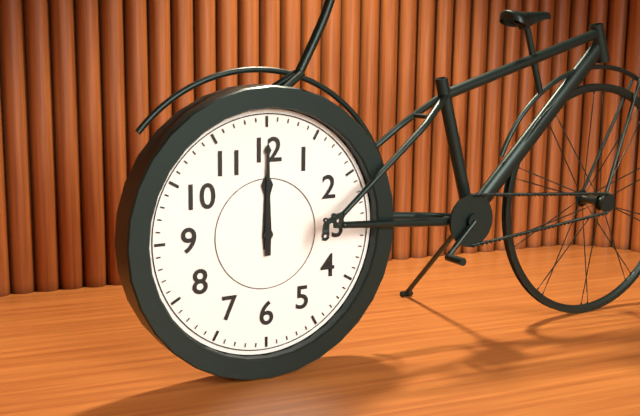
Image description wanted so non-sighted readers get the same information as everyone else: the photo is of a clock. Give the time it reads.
12:00
